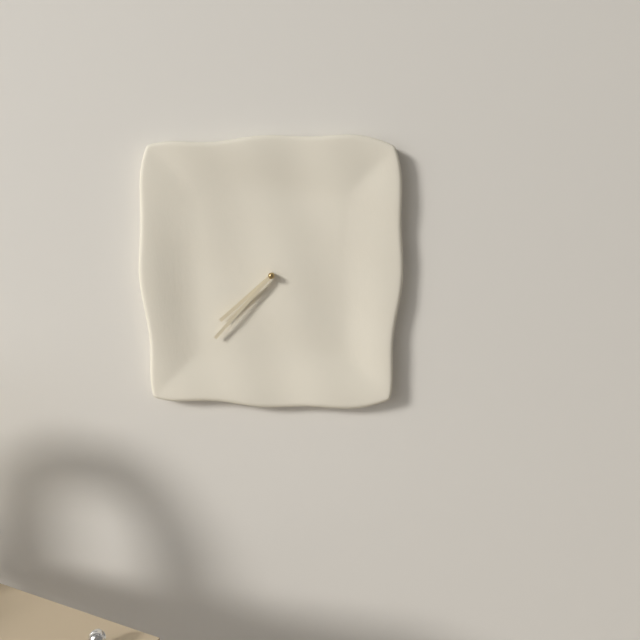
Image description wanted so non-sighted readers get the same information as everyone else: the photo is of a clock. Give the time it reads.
7:37
